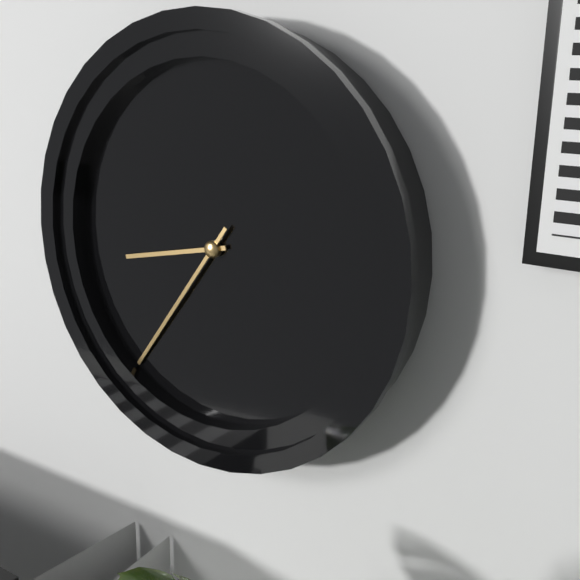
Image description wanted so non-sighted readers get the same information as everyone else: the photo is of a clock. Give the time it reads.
8:36
